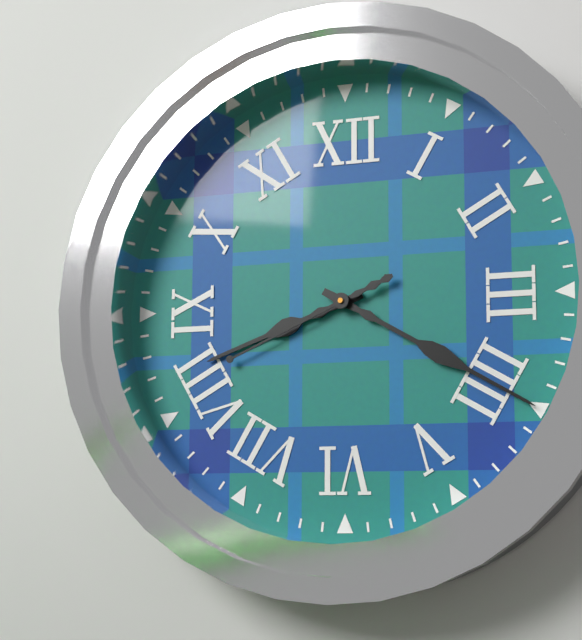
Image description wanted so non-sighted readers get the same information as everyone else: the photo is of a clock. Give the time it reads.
8:20:41
